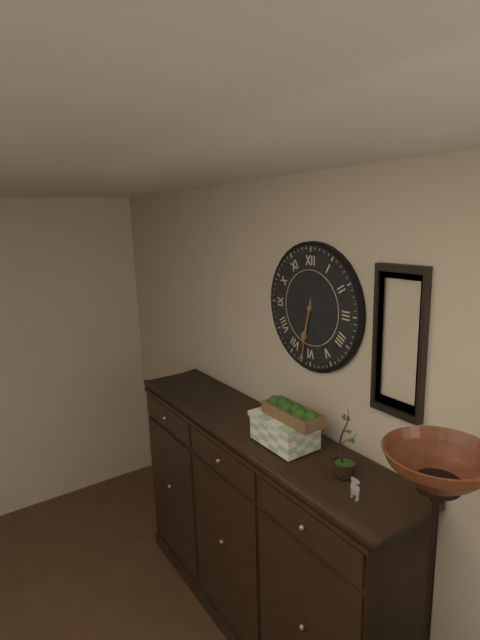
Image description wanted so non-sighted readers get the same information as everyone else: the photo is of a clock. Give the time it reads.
6:32
